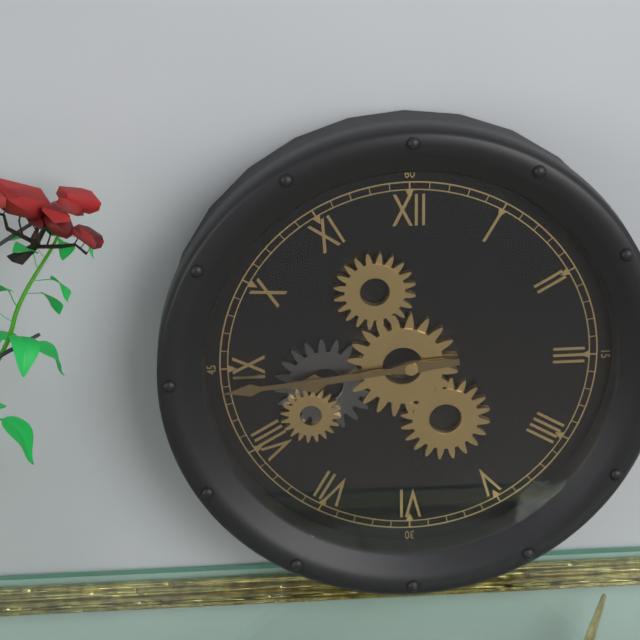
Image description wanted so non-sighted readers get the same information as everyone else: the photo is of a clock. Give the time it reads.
8:44
